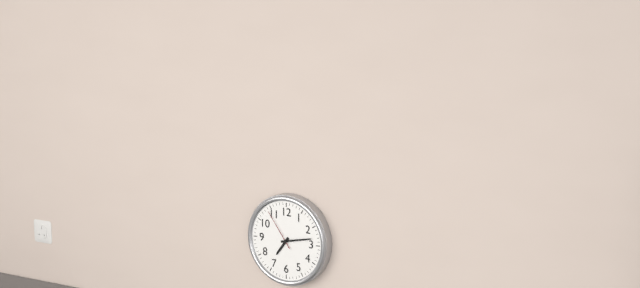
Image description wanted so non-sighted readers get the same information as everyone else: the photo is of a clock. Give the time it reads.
7:13
